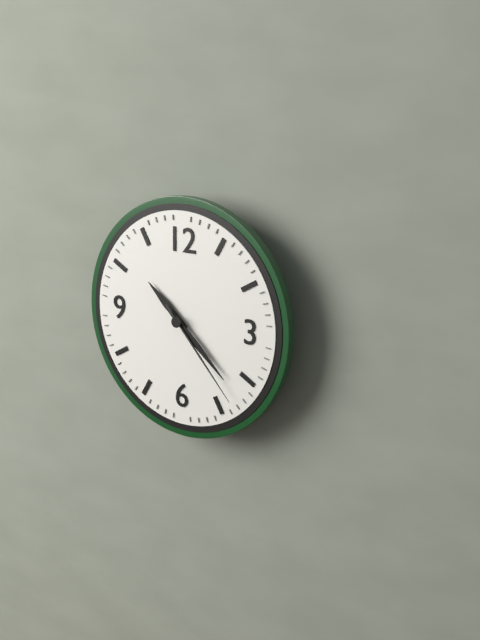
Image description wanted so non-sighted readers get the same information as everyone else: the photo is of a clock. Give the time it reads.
10:22:23
